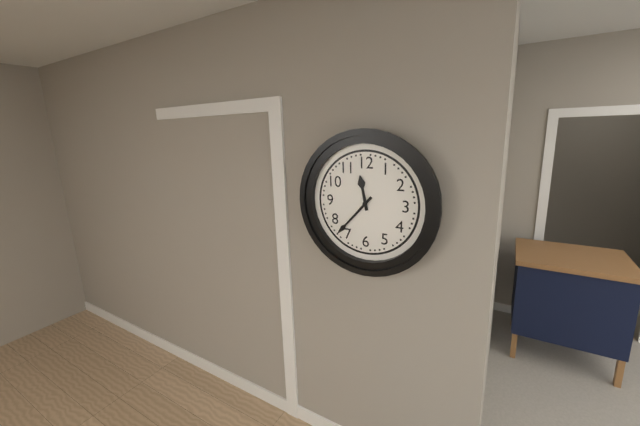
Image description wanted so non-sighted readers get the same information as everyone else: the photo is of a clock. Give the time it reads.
11:37
